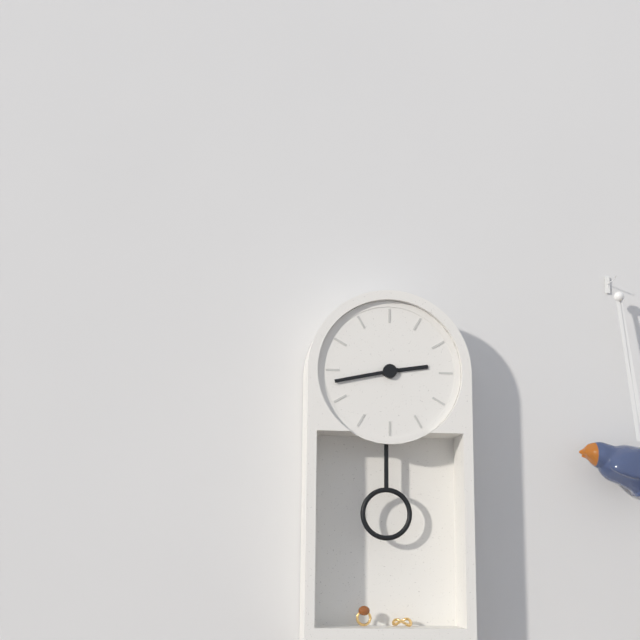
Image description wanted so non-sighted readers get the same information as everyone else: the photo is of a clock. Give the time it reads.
2:43
